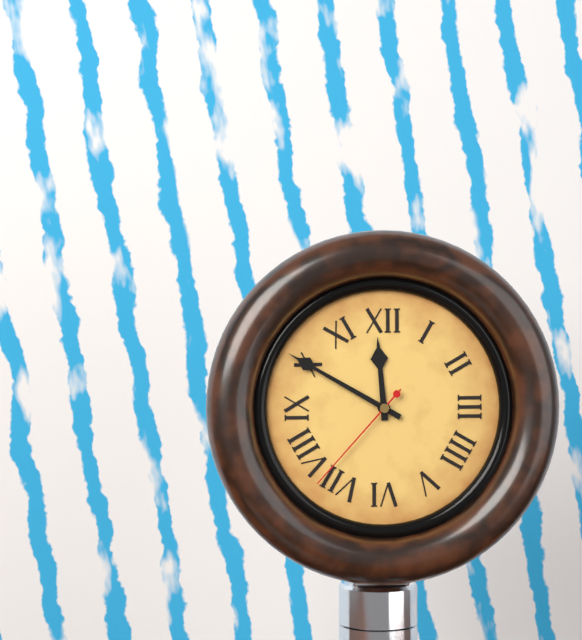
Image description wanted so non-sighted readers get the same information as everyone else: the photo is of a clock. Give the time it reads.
11:50:37
